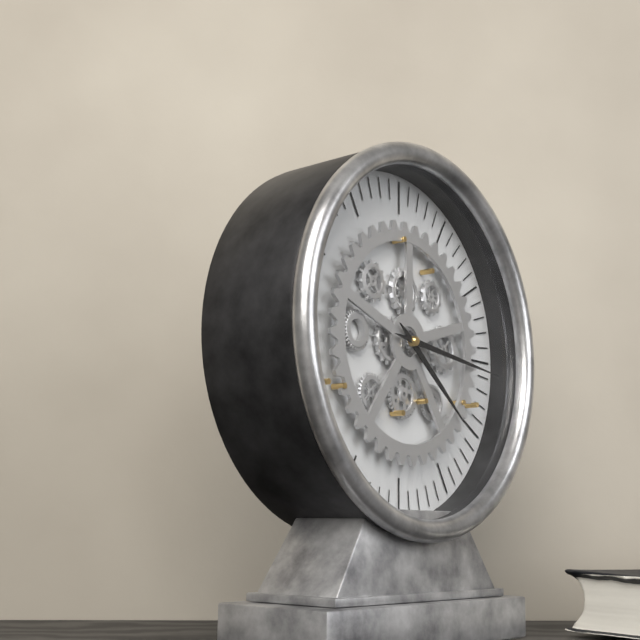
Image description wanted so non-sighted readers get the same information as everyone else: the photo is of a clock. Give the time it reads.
4:16
